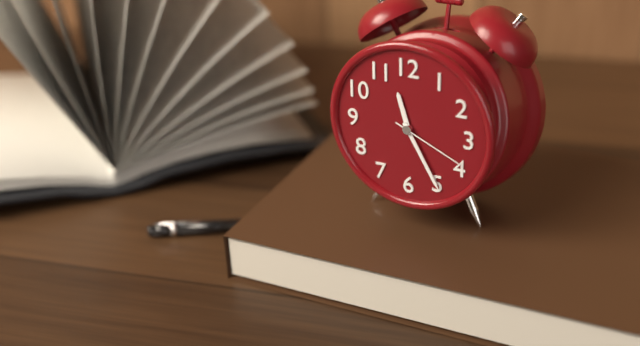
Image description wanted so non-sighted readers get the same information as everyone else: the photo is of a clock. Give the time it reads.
11:25:19
